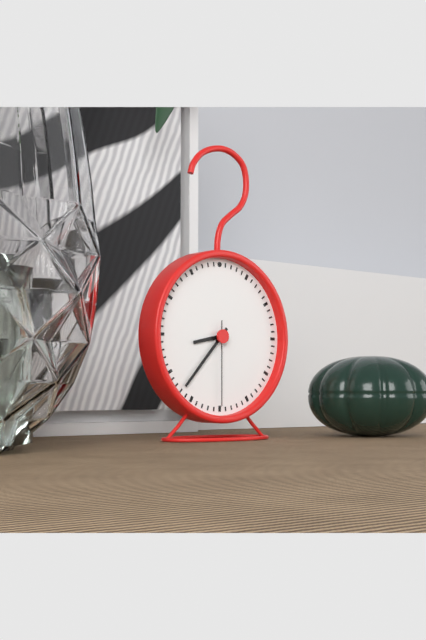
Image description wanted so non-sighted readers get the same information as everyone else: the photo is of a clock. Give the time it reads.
8:37:30
